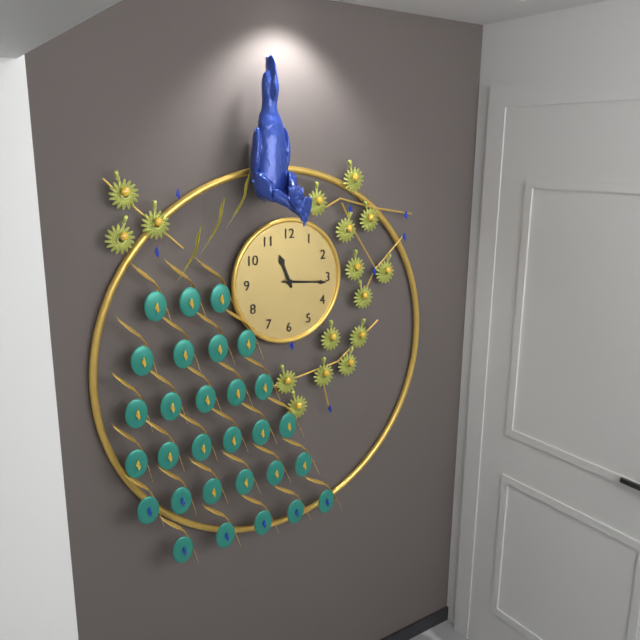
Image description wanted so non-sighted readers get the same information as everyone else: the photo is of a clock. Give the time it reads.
11:16
